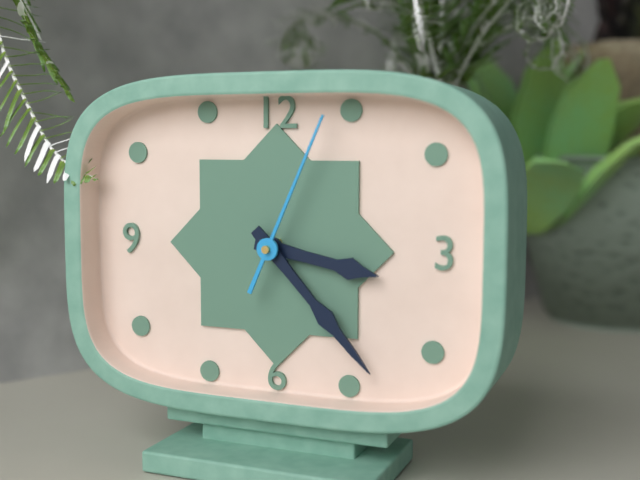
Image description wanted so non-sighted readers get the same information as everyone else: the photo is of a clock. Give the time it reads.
3:23:04
